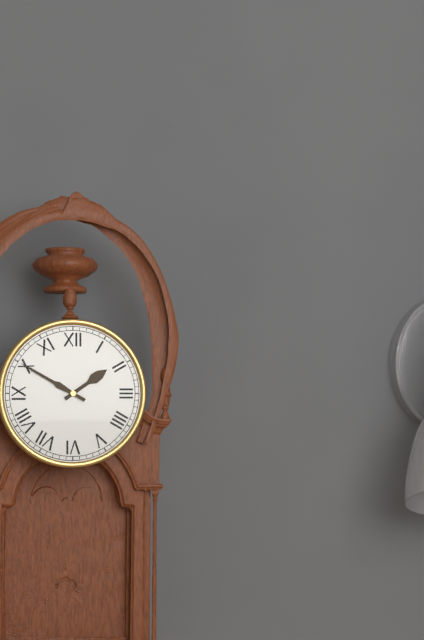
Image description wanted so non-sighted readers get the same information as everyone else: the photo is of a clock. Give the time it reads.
1:50
